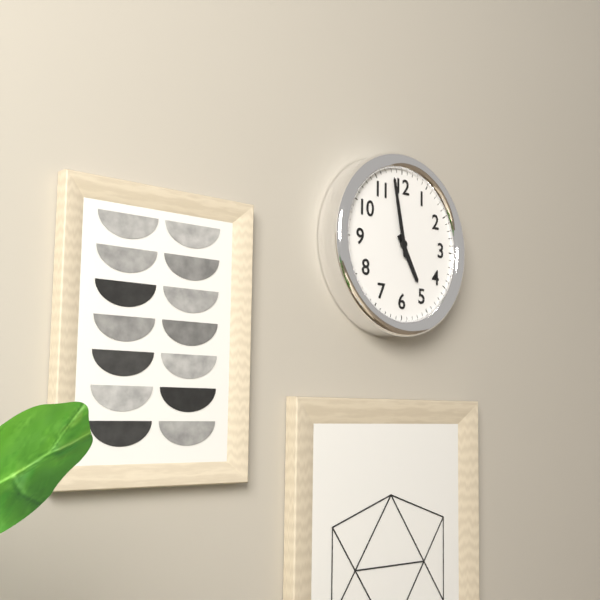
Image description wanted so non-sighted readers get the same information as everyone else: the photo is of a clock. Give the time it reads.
4:58
